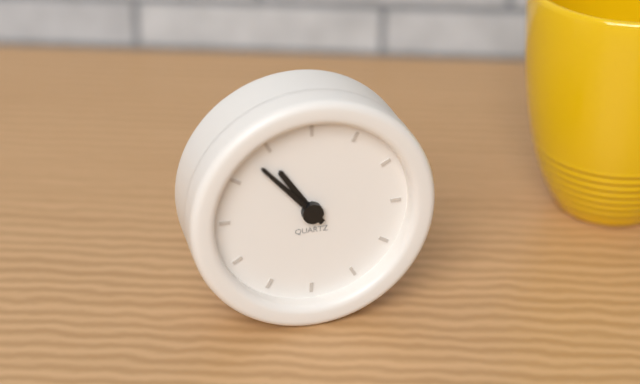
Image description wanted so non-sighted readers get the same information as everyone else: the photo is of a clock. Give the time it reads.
10:53
